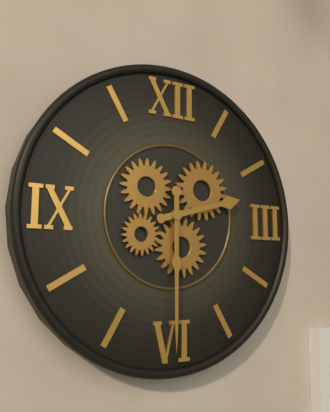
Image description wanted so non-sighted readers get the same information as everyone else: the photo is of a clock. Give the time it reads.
2:30
